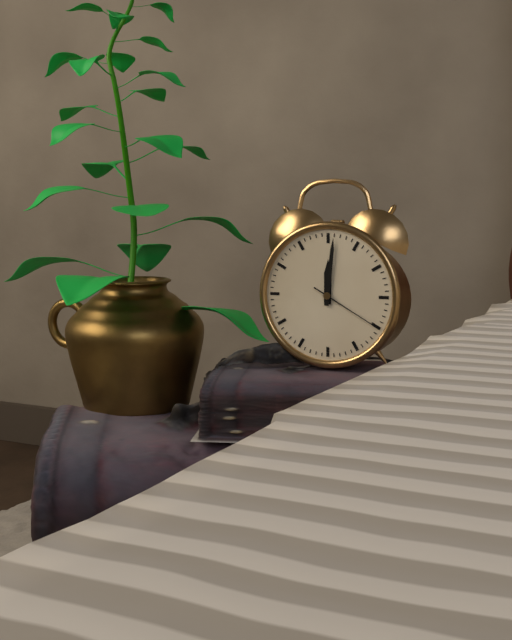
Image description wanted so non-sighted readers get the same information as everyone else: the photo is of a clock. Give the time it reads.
12:01:20
